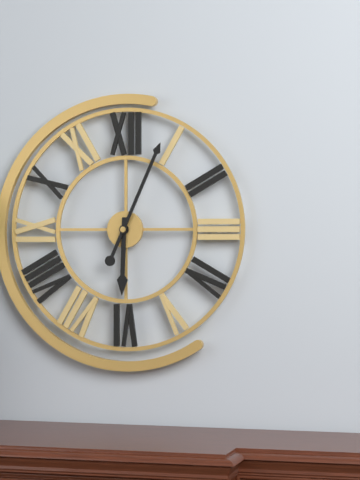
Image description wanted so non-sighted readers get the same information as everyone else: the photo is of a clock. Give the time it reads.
6:04
